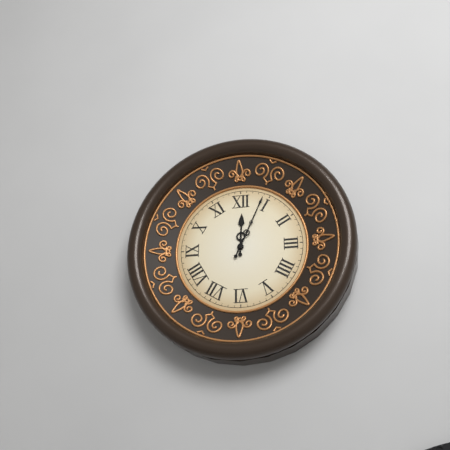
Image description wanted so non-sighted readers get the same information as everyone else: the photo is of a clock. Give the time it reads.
12:04
